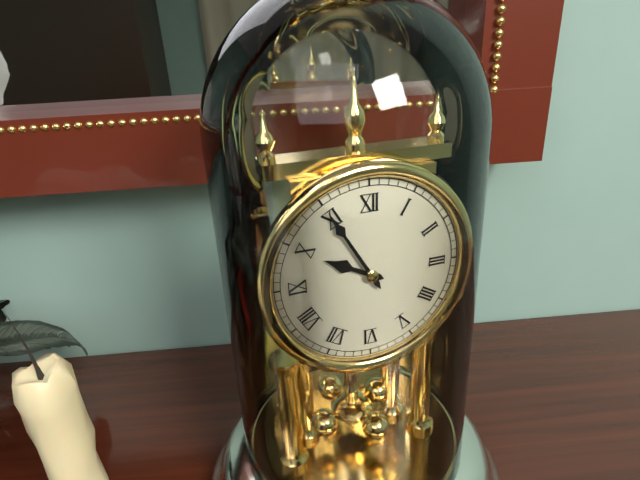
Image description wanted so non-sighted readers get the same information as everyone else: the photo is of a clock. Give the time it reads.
9:55
